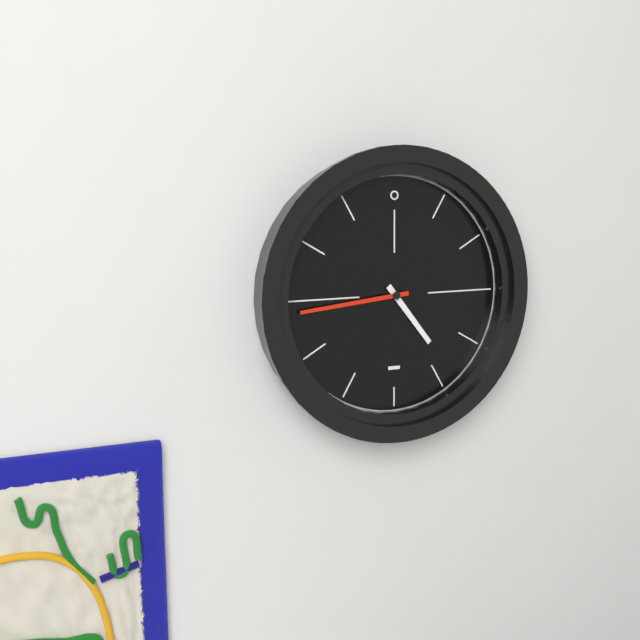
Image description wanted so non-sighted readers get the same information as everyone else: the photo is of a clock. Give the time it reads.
4:44
